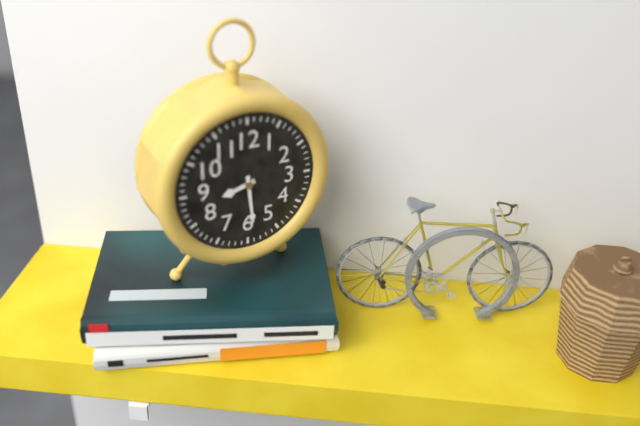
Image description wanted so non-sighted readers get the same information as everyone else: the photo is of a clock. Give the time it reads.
8:29
